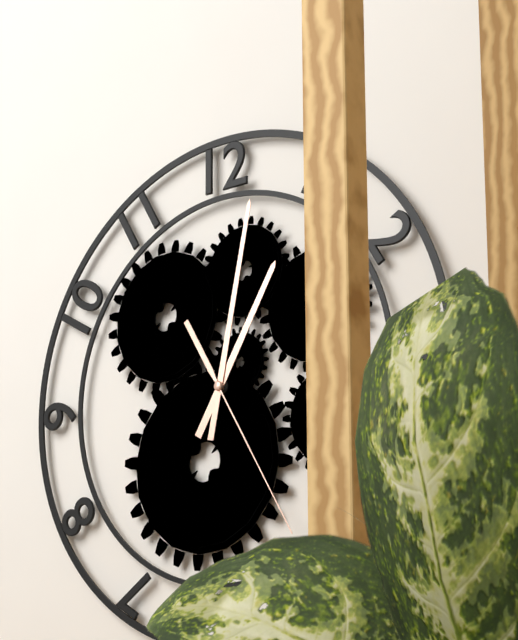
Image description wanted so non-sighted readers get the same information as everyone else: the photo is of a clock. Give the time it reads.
1:02:25
